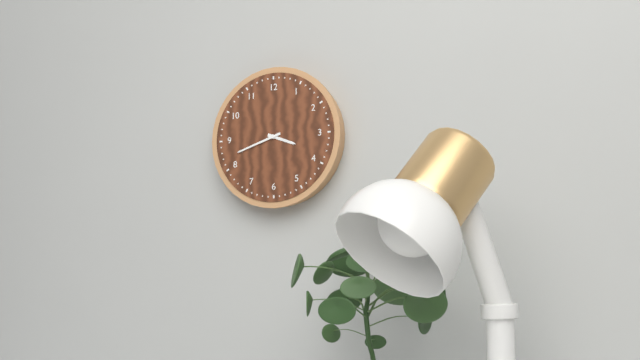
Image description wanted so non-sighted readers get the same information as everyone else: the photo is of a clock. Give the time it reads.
3:42
